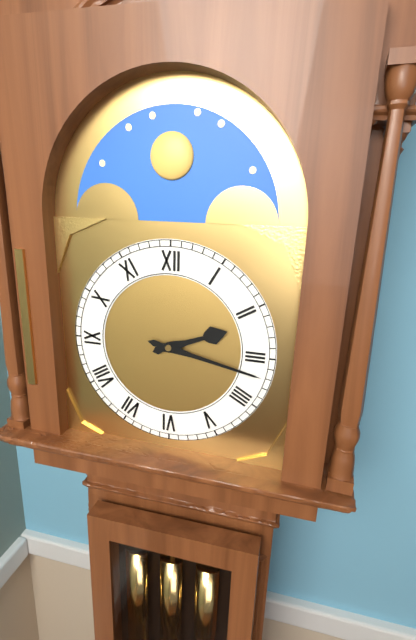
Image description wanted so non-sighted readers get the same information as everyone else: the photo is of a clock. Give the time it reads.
2:17
